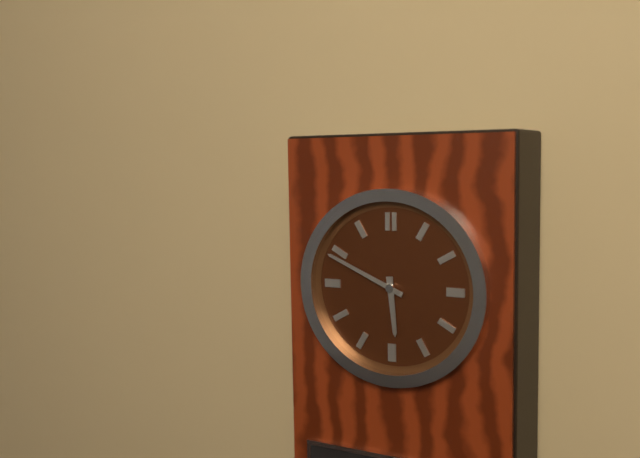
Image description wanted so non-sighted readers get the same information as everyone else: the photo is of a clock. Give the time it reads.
5:49
